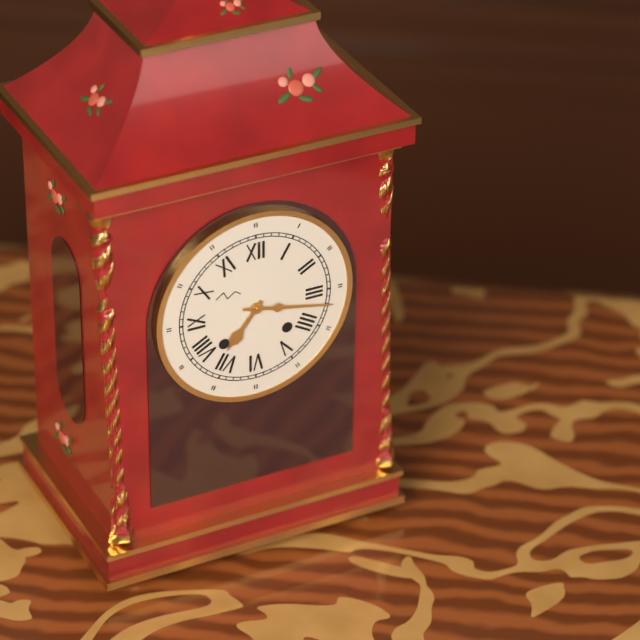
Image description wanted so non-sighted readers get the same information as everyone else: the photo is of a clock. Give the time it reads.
7:17
